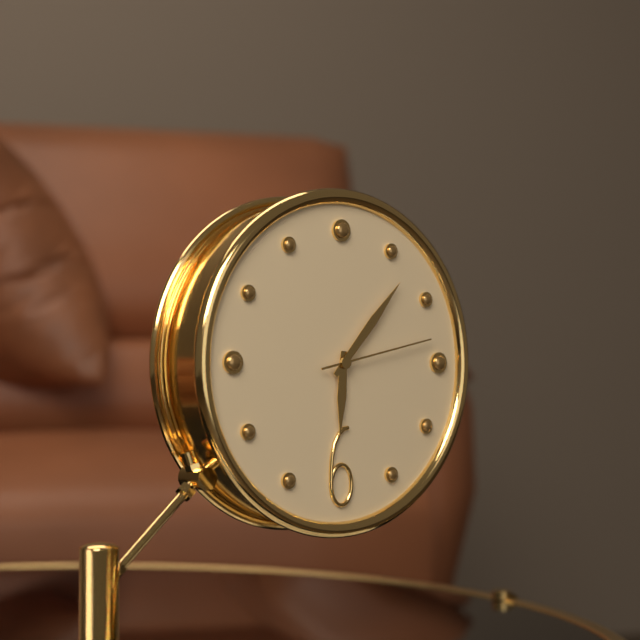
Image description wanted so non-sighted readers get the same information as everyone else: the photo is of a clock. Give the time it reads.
6:07:13
